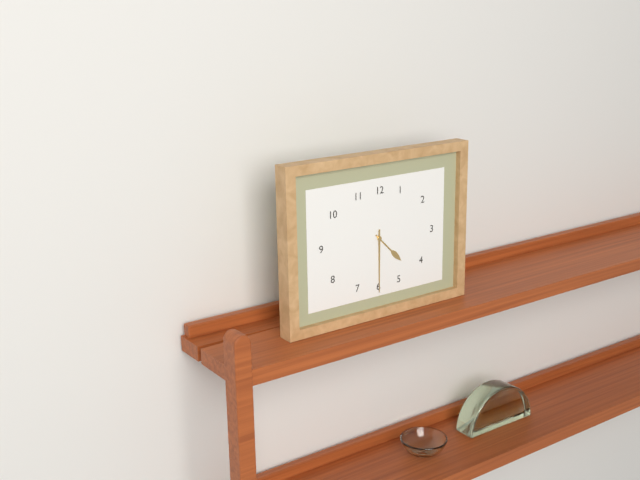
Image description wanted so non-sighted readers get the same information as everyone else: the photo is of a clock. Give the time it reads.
4:30
